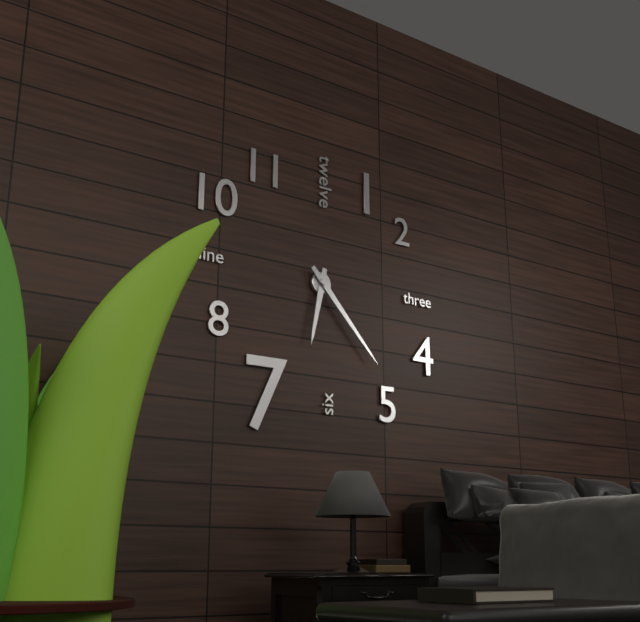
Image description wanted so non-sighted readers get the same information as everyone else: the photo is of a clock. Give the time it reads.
6:23
